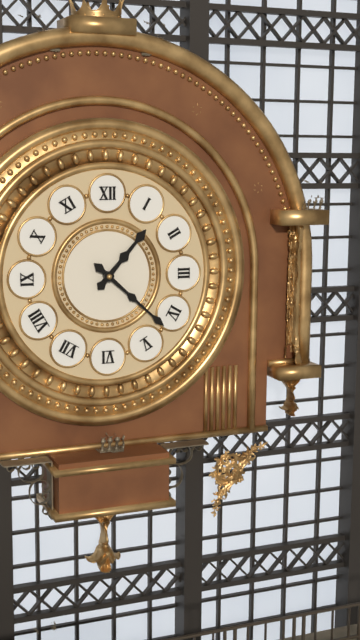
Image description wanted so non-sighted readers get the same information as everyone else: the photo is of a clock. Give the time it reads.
1:22
